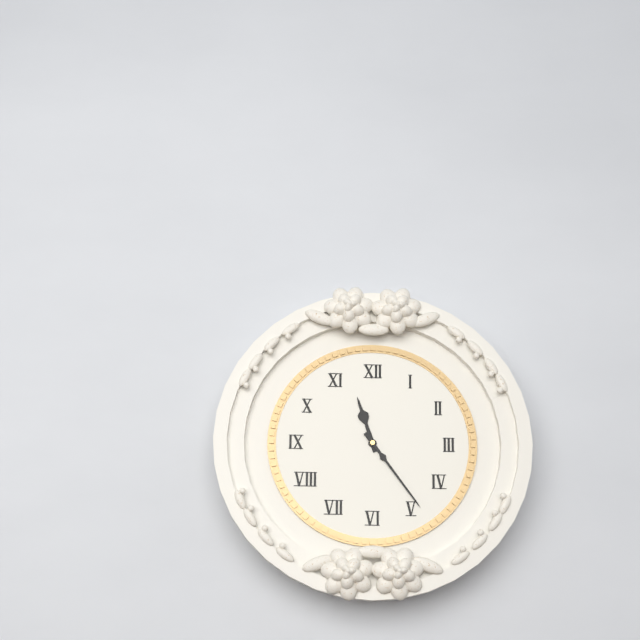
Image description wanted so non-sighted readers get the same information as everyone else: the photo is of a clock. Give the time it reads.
11:24
